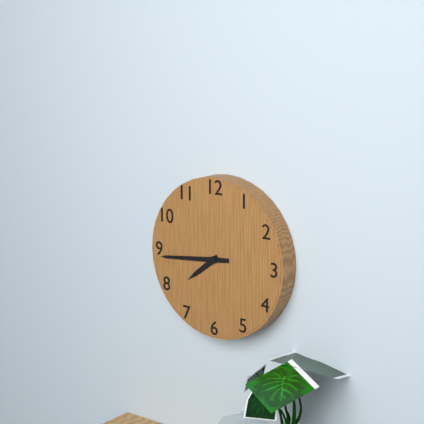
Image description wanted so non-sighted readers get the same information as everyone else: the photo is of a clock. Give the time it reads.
7:44
